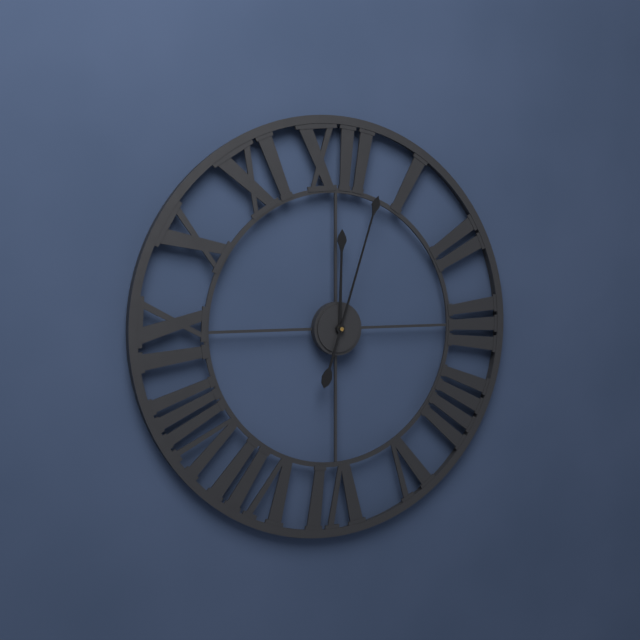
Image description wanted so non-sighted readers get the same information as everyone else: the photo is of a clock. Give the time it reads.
12:03
